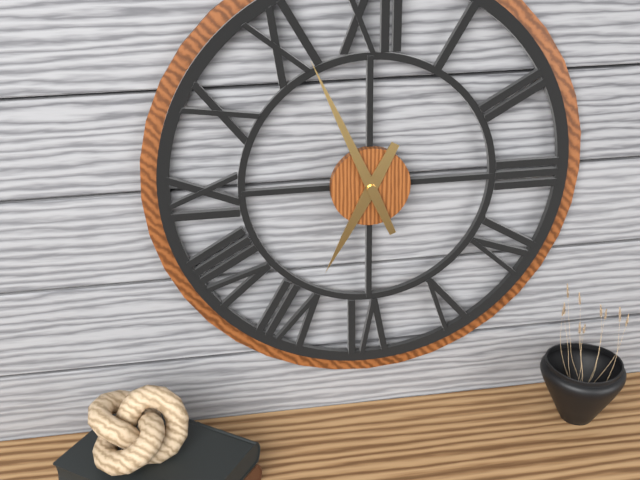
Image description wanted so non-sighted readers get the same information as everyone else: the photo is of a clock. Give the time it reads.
6:56
